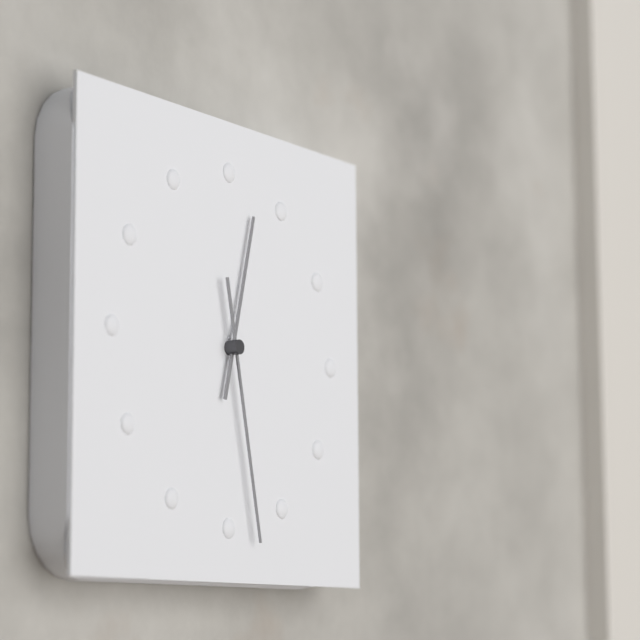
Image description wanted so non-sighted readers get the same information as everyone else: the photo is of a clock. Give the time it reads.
12:28
